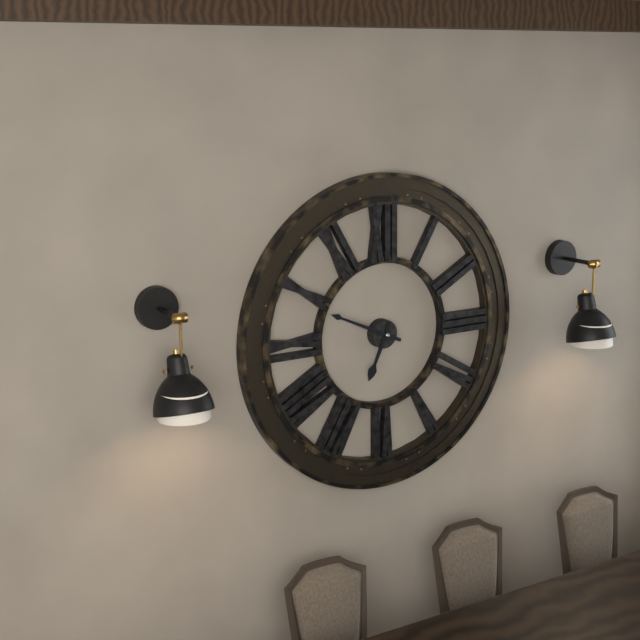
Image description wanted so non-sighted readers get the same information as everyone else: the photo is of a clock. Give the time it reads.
6:49
